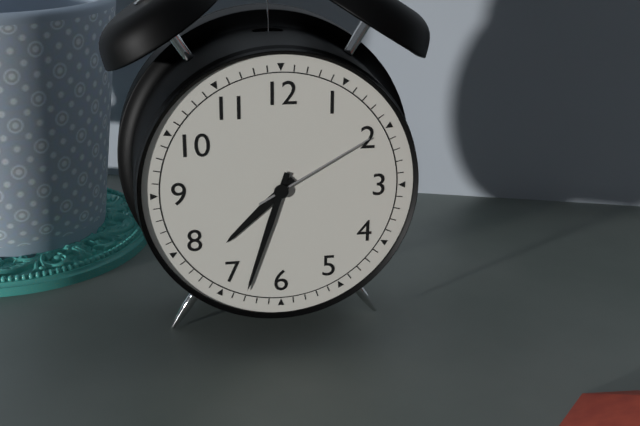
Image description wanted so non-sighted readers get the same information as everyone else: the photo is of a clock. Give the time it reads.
7:33:10
